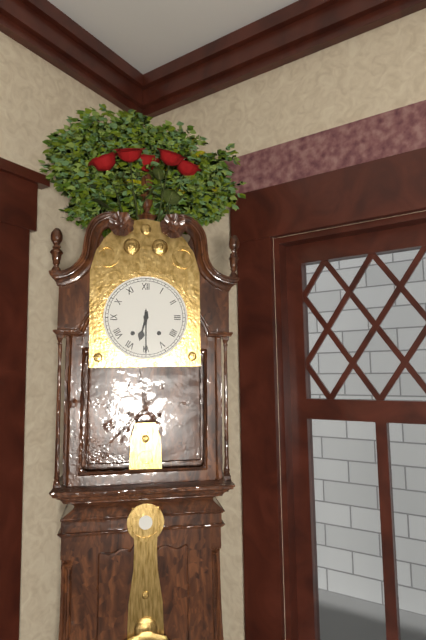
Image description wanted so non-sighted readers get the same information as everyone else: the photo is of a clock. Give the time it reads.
6:30
